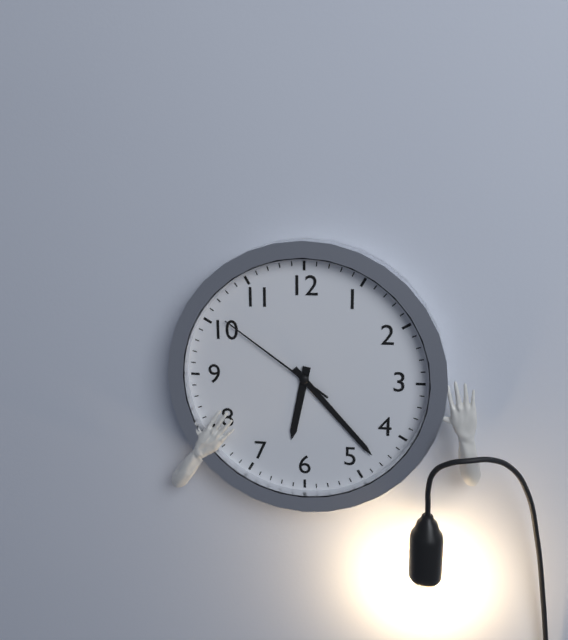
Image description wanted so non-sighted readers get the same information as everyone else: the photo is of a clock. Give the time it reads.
6:23:51
